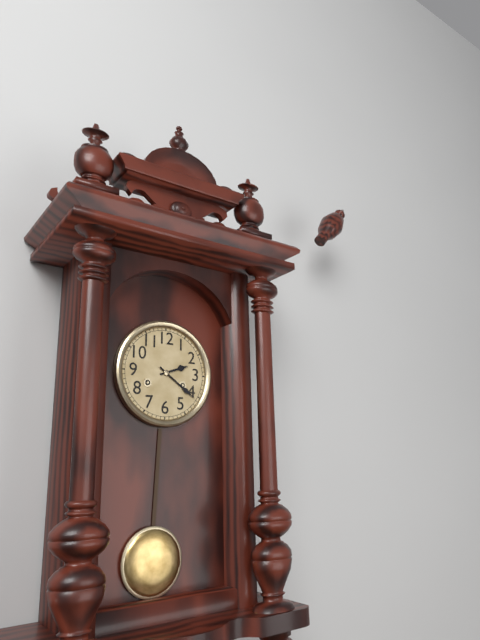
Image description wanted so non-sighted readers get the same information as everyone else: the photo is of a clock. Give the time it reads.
2:21
